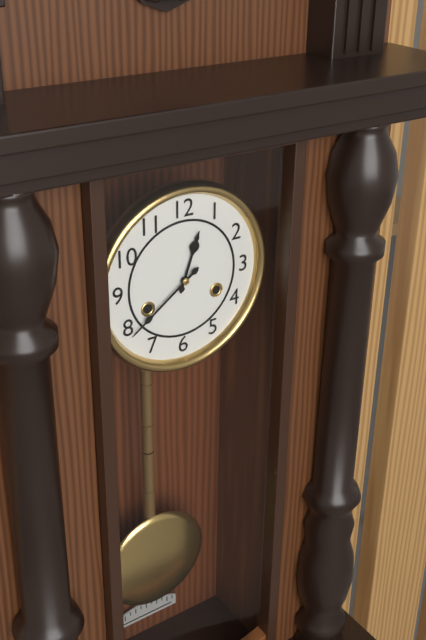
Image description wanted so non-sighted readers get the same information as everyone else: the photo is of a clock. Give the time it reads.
12:39
